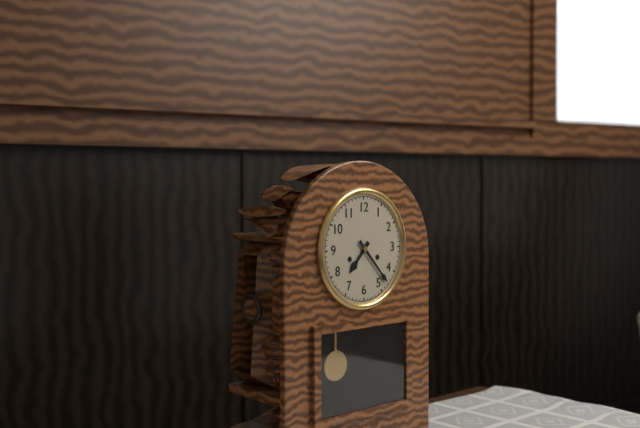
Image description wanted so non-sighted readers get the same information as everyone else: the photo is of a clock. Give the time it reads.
7:23
